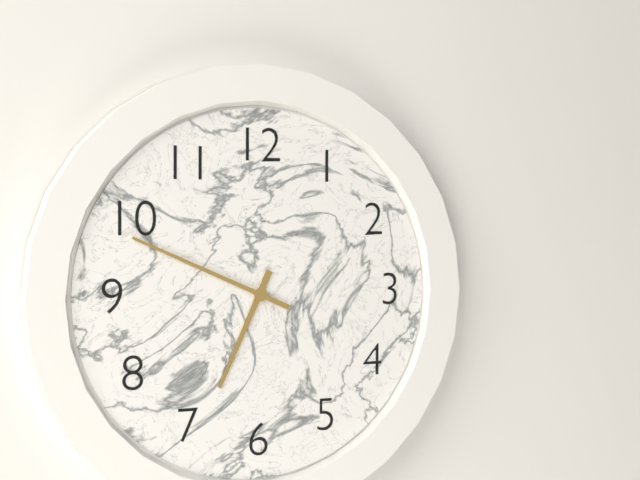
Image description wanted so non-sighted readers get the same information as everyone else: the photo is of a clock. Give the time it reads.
6:49
